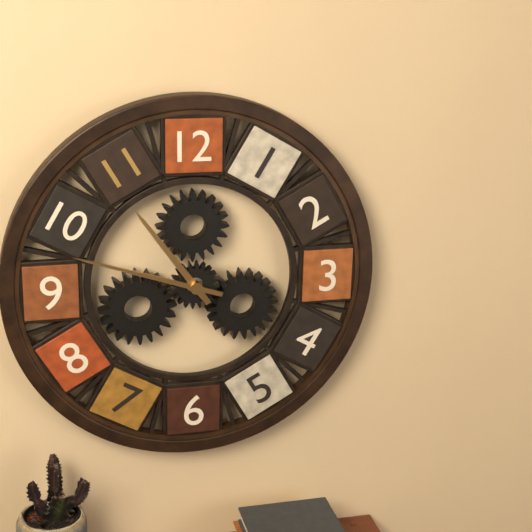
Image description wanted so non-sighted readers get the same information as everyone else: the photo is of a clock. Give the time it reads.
10:48
